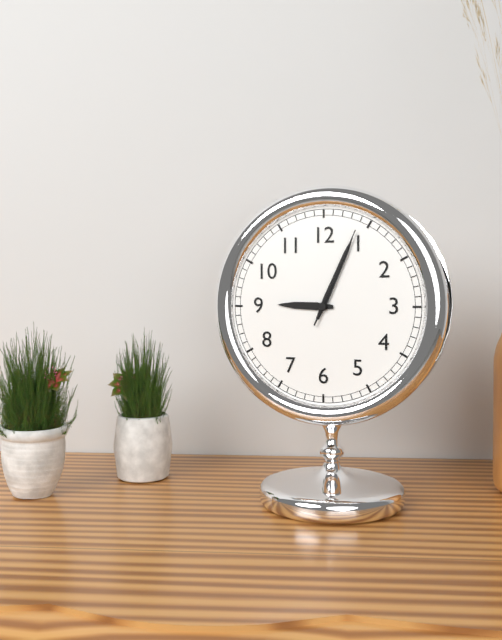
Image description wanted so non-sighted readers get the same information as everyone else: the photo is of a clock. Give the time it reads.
9:04:04
